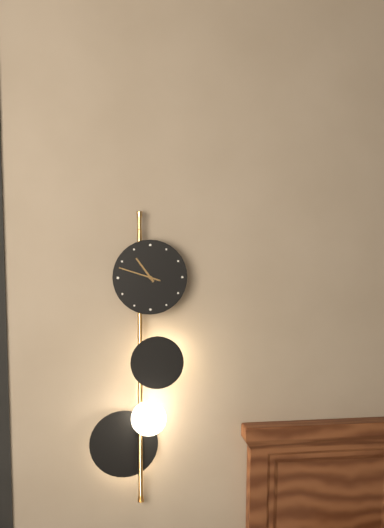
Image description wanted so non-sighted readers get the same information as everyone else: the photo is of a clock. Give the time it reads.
10:48
